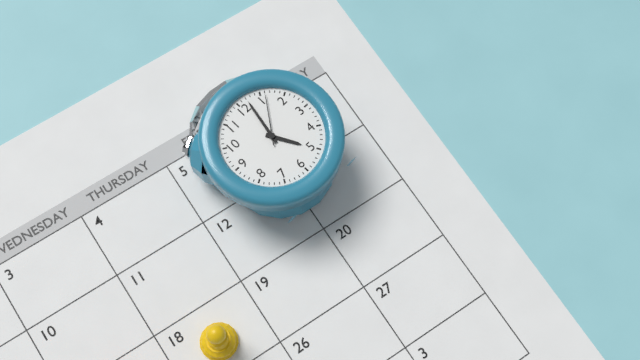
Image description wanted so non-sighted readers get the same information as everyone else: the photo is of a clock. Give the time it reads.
5:02:06
